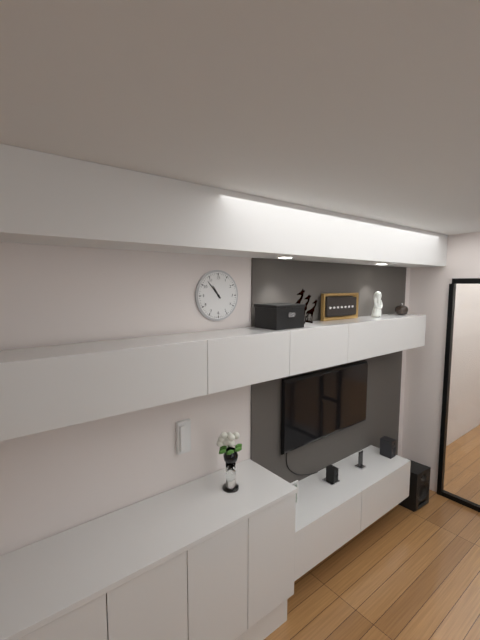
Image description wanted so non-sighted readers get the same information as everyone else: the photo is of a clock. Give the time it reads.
10:53
